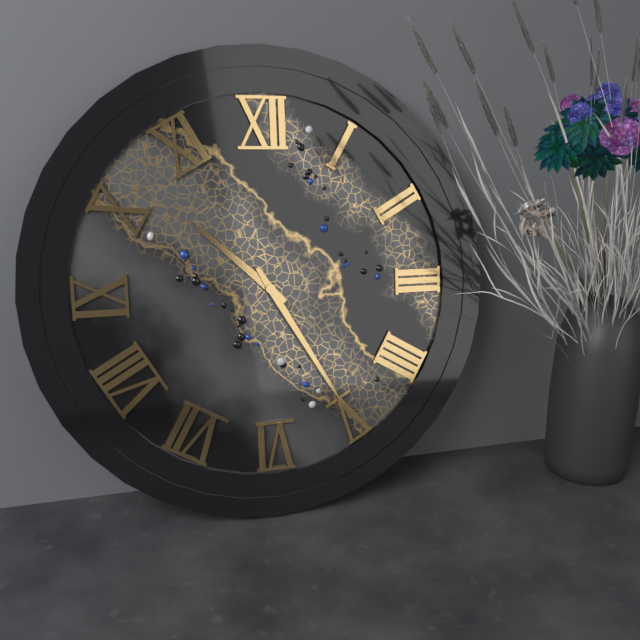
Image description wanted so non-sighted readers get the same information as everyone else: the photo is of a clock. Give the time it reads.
10:25
